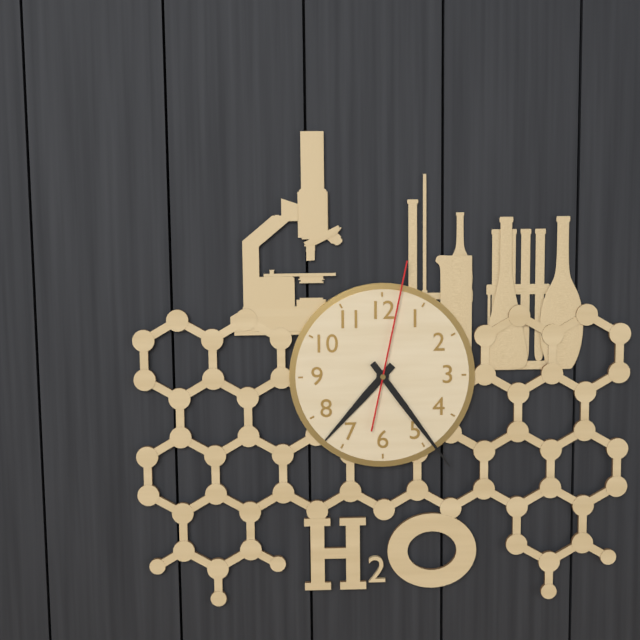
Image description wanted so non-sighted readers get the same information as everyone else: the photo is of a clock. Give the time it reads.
7:24:02
